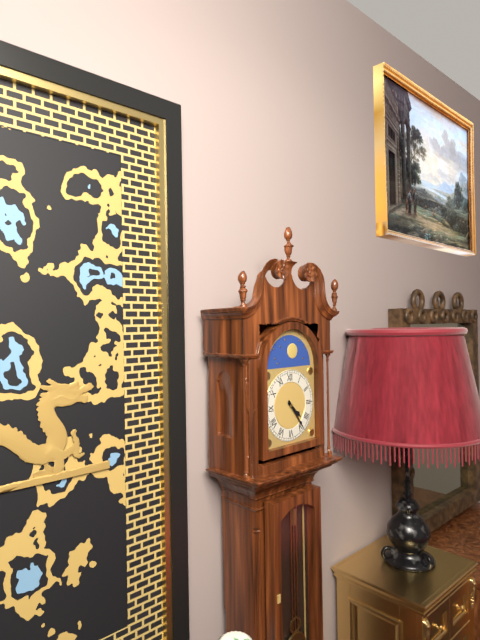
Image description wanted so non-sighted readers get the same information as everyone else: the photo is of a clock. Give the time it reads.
4:24
